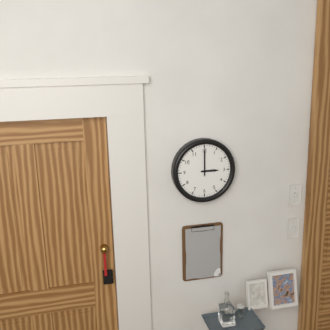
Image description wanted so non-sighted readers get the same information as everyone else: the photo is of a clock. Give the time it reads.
3:00
